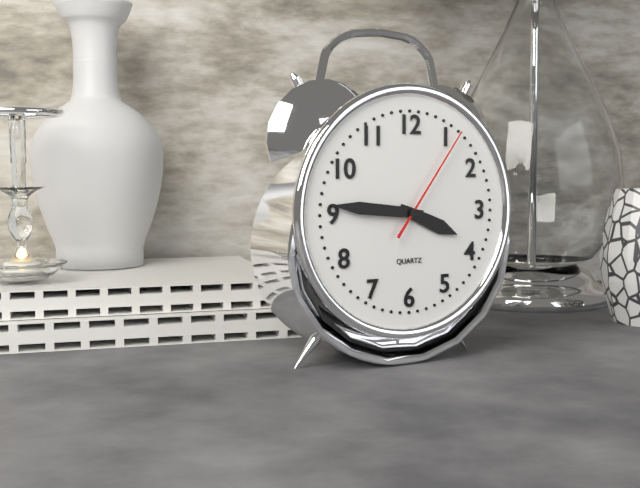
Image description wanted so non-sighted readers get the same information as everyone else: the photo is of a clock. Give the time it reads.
3:46:06
